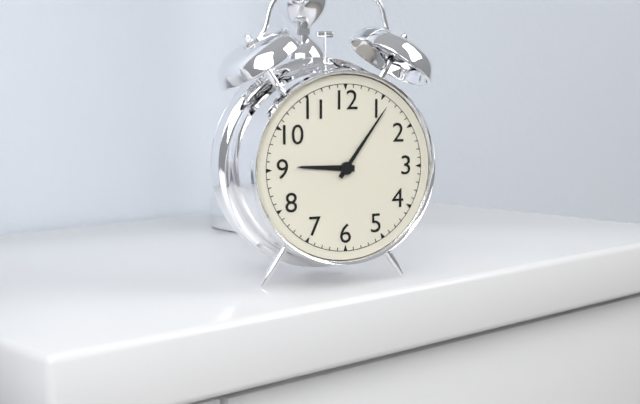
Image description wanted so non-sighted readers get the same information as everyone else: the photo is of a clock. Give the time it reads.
9:06
